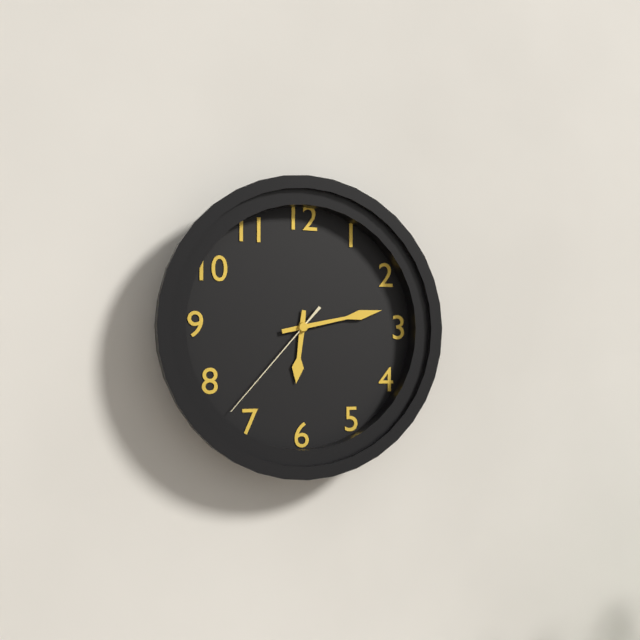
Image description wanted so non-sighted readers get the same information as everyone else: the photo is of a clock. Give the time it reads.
6:13:37
